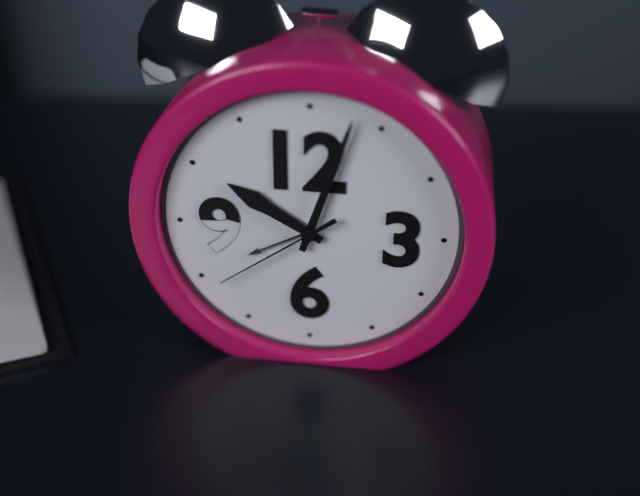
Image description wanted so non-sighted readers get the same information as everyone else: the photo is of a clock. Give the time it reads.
10:03:39
